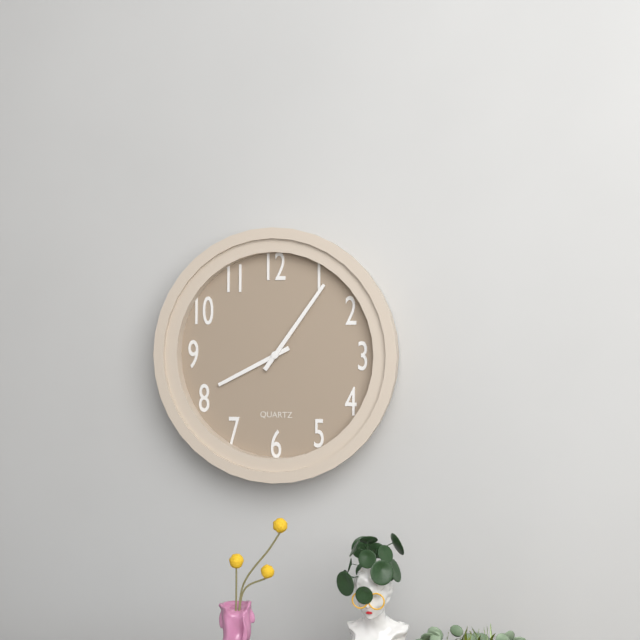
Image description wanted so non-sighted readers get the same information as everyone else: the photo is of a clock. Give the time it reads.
8:06
